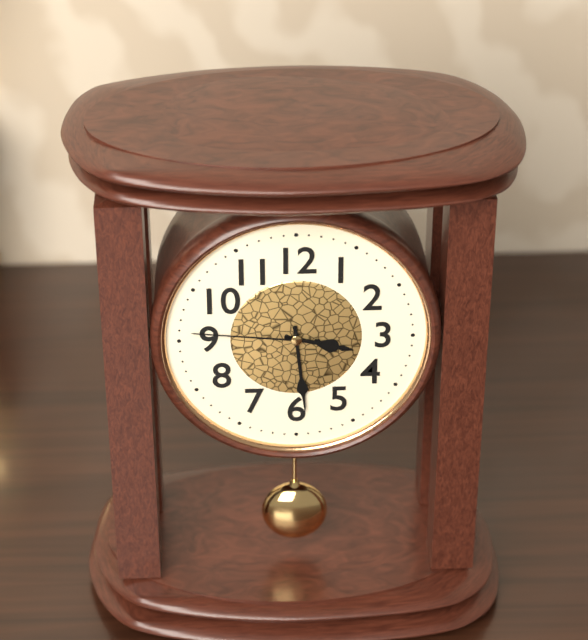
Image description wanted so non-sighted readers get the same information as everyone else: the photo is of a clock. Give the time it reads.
3:29:46
